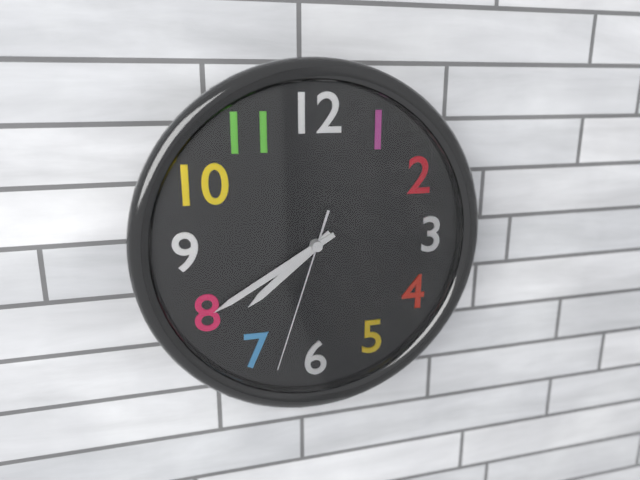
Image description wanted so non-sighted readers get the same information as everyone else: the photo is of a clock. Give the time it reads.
7:40:33
